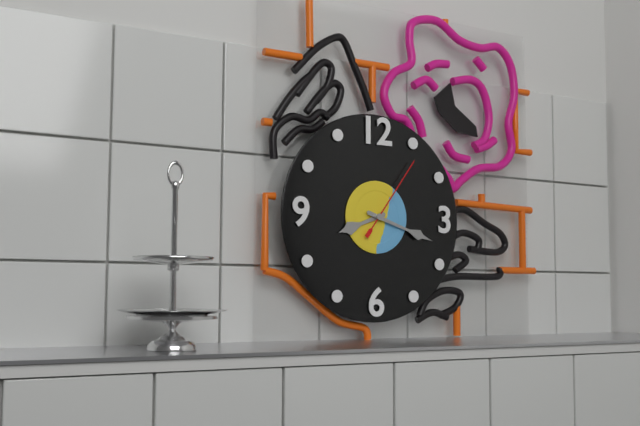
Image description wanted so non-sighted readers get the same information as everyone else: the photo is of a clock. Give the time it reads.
8:18:06
